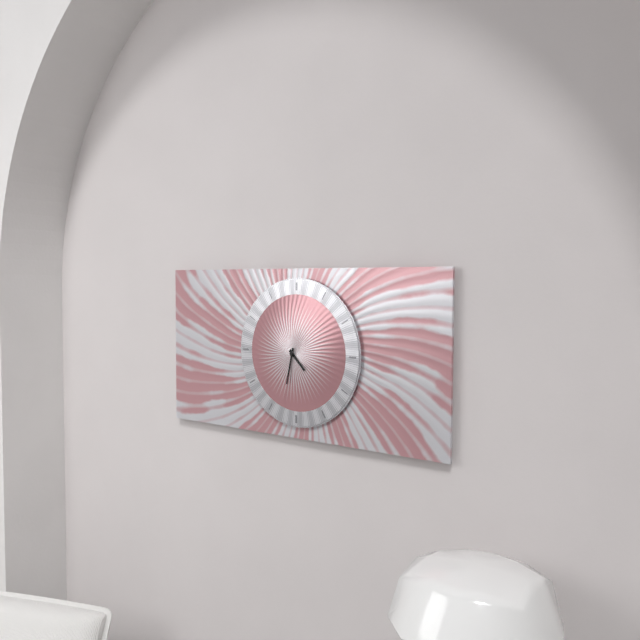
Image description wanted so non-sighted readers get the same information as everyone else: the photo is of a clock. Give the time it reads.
4:32
